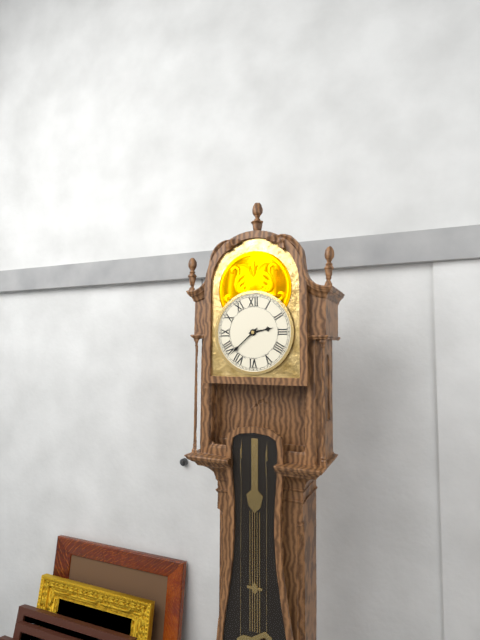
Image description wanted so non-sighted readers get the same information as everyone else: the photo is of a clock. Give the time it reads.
2:38
